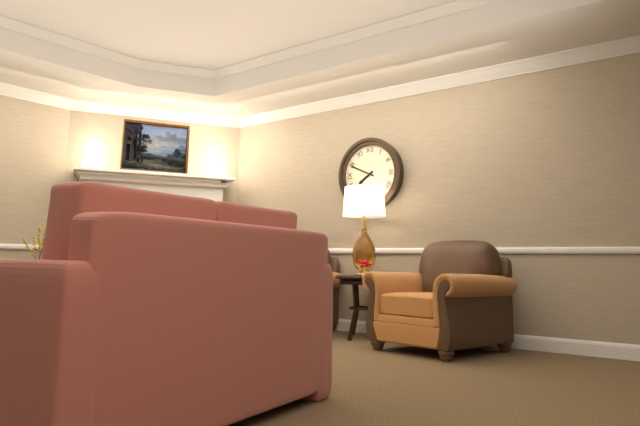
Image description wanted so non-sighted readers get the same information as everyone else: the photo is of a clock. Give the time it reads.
7:49
